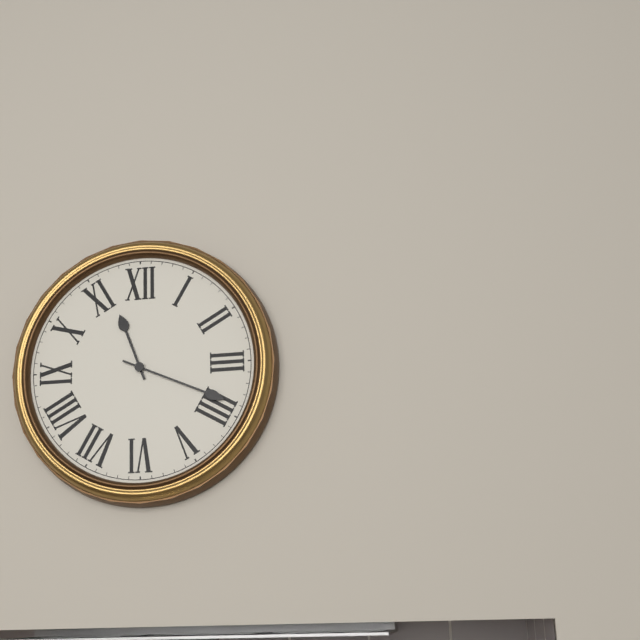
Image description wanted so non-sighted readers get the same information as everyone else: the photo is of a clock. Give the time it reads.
11:19
